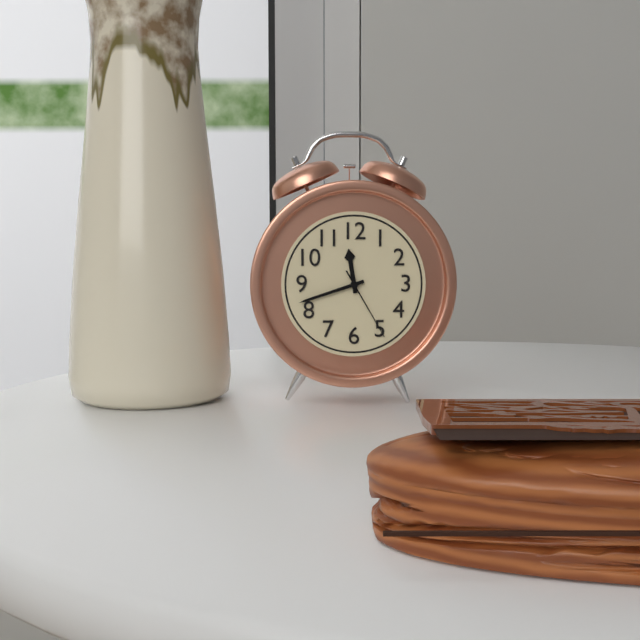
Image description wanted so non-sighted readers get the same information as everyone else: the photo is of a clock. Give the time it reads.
11:42:25
